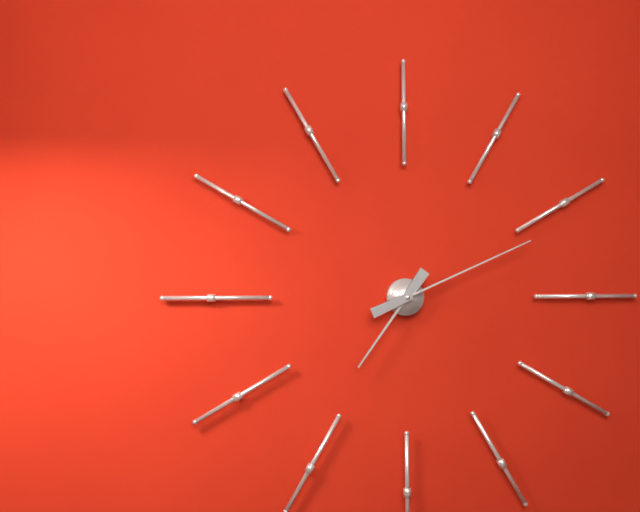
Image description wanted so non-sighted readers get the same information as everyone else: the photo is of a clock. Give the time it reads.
7:11
